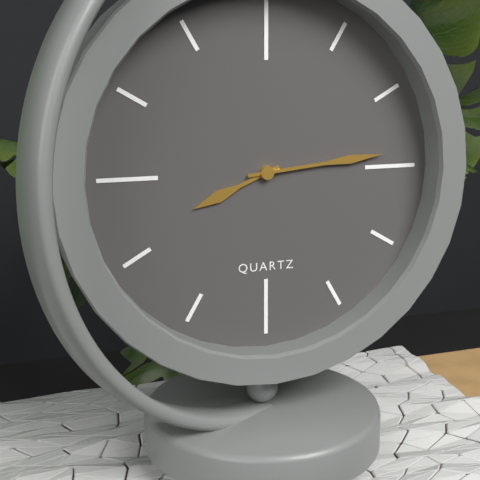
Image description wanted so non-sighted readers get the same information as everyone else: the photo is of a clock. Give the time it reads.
8:14
